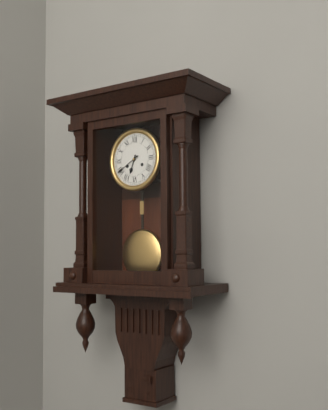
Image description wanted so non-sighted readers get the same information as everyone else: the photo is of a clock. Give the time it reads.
6:40
